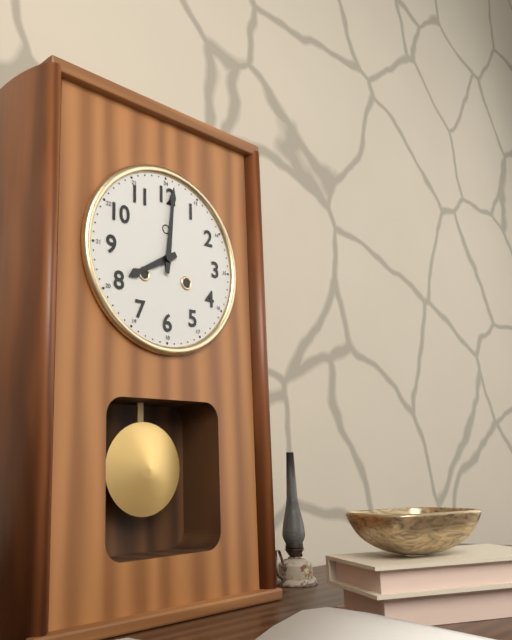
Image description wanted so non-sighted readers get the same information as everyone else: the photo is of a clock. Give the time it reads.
8:01
